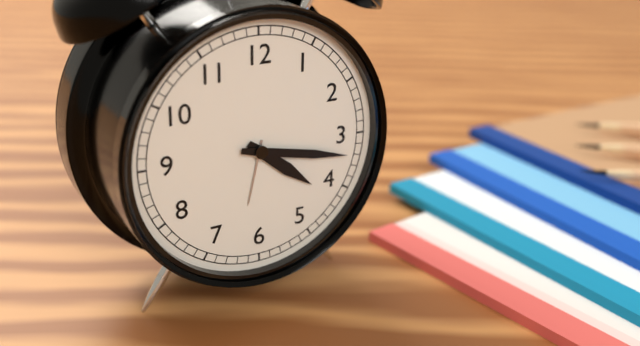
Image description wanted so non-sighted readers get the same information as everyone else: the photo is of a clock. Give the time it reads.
4:17
